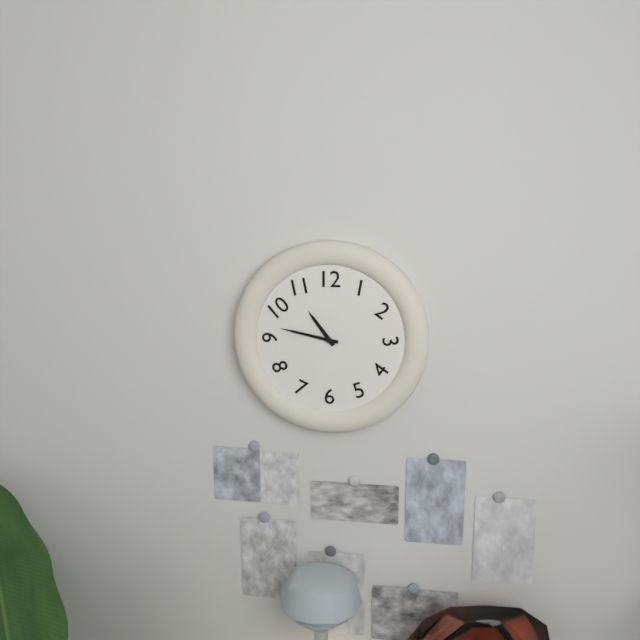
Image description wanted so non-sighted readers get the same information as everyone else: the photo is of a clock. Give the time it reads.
10:47
